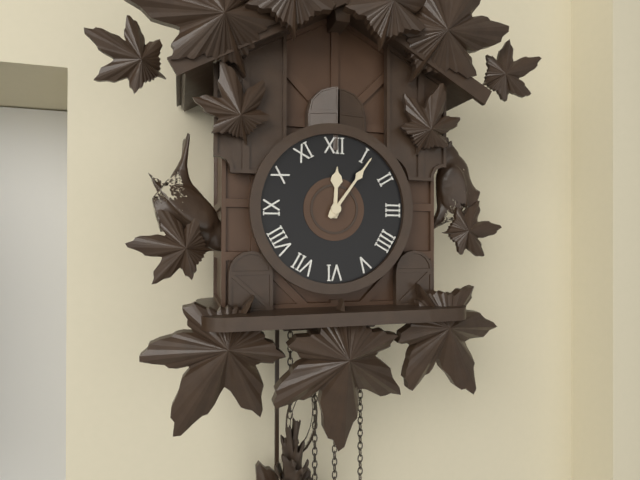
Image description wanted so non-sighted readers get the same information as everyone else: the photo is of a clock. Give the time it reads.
12:06
